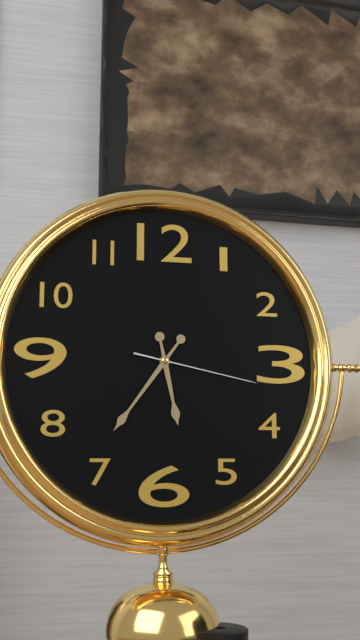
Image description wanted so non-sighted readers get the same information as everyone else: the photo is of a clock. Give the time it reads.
5:36:17
